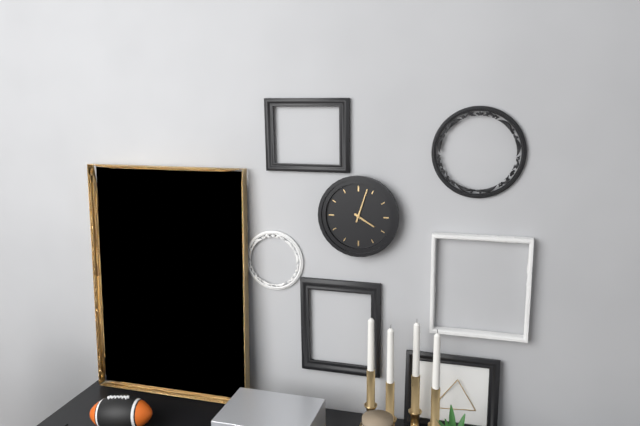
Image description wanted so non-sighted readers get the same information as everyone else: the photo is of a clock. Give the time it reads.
4:03
